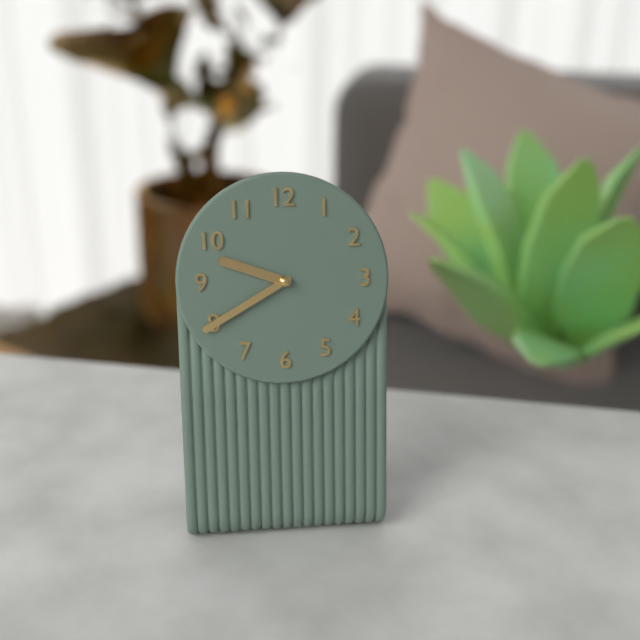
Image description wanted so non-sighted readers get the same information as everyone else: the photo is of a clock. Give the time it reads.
9:40
